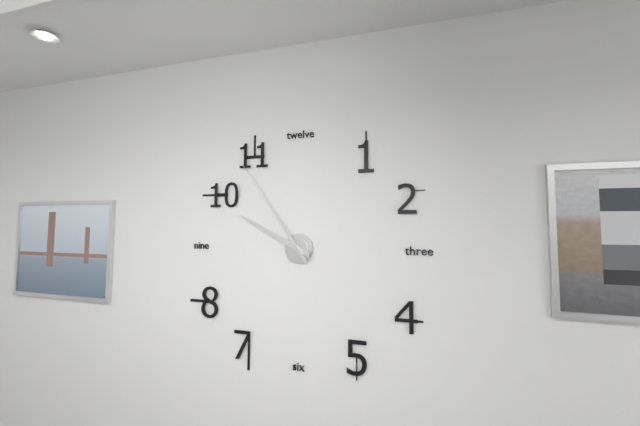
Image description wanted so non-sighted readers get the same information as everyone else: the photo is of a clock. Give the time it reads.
9:54
